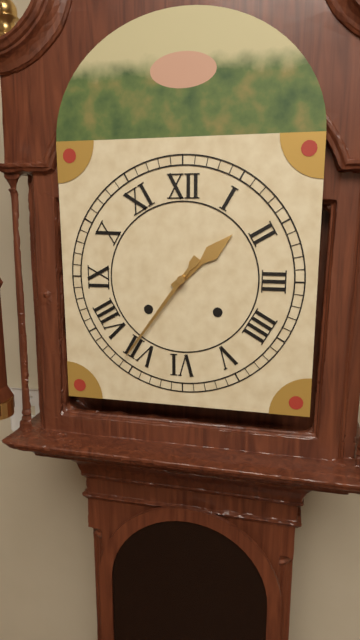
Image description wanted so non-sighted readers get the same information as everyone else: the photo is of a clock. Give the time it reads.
1:36
